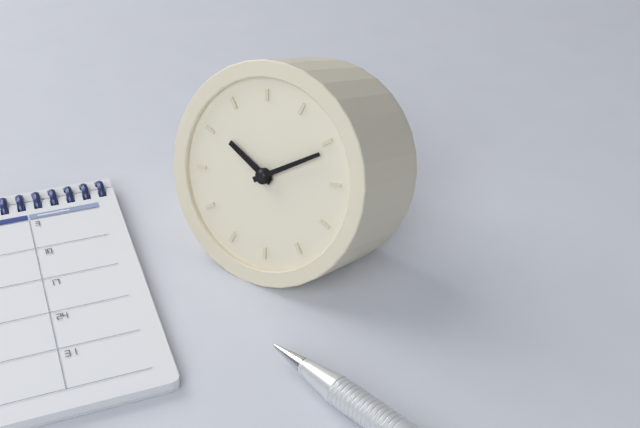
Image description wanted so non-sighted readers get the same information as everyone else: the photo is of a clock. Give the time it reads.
10:11
